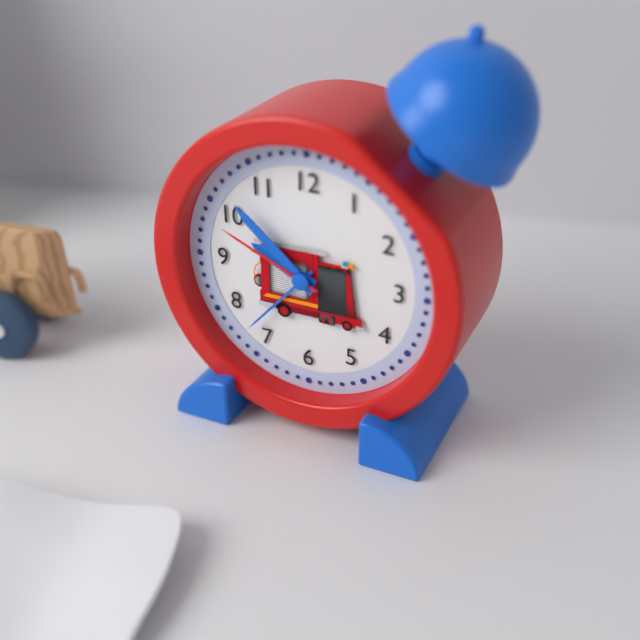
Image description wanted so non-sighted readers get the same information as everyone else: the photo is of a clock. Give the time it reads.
9:52:49
